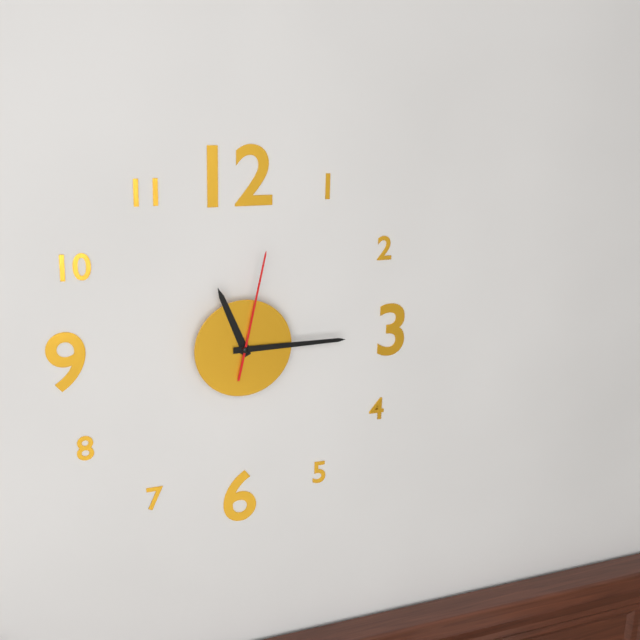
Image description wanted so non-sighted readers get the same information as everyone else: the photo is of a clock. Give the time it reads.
11:15:02
